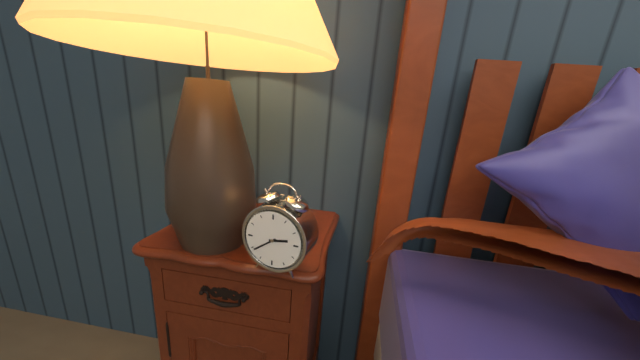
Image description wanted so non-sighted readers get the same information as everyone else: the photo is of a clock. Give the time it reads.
2:39
